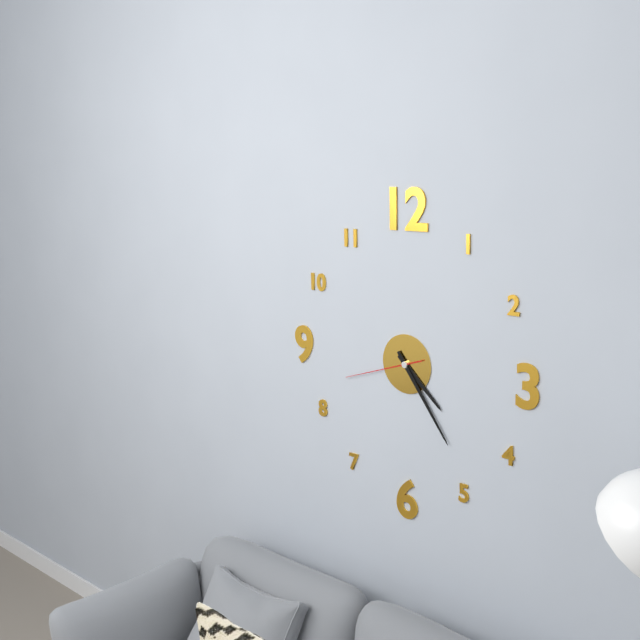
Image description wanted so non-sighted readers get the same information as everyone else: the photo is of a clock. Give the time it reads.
4:24:42
